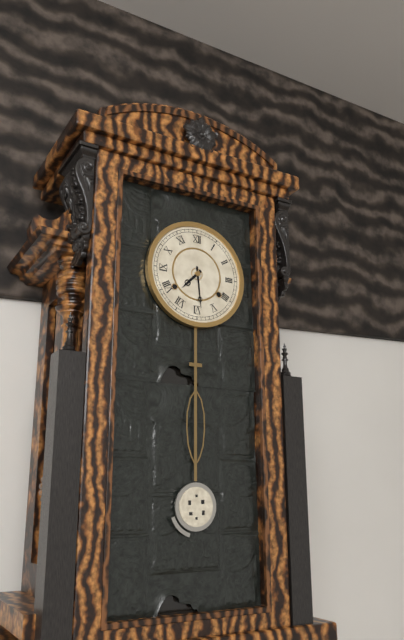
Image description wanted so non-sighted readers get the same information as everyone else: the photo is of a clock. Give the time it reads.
7:29
